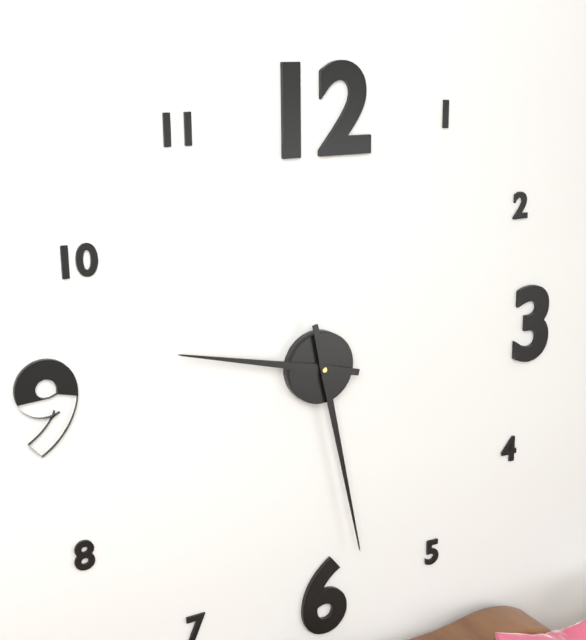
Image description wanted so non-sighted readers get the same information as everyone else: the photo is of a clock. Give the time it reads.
9:28
